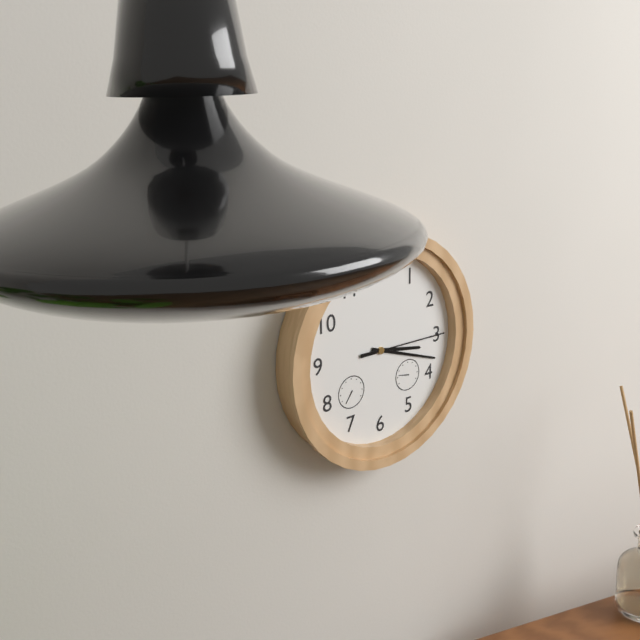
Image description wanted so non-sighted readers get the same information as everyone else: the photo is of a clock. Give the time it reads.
3:18:15
